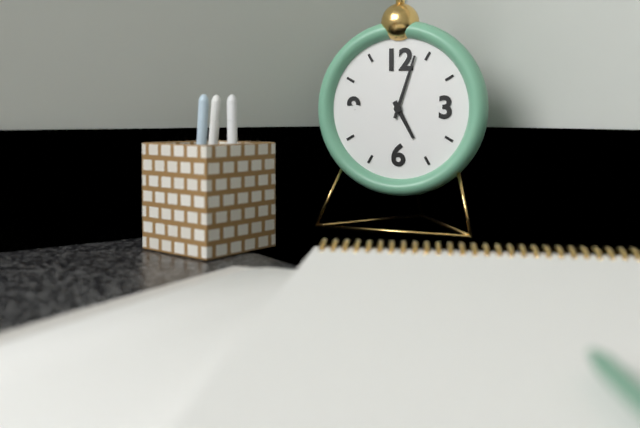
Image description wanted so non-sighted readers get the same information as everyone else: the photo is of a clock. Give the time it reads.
5:03
